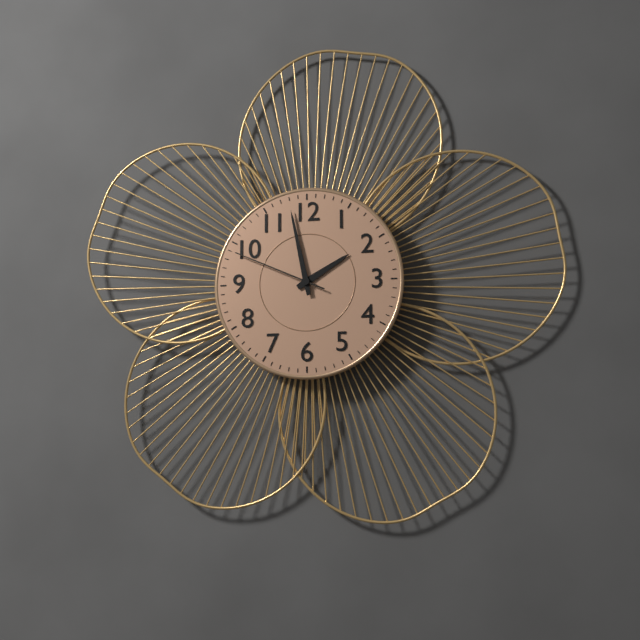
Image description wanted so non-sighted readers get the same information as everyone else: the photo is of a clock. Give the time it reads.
1:58:49
